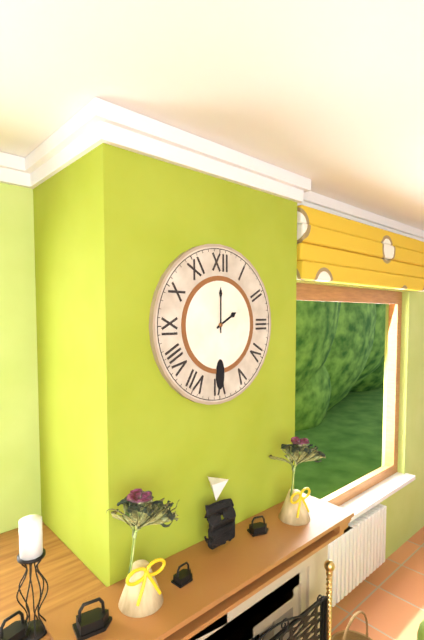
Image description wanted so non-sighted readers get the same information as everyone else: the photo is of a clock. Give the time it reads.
2:00
